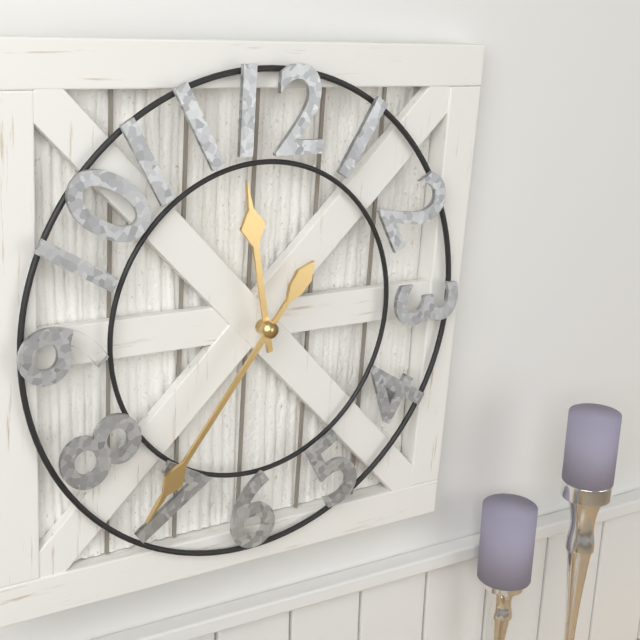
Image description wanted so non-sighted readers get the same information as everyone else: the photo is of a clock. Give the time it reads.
11:36
